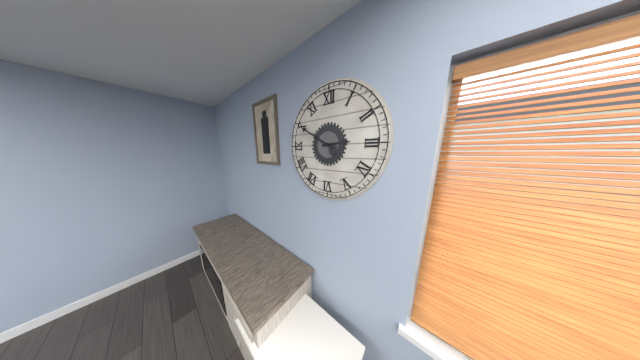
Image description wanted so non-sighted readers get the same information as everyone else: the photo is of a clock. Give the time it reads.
2:50
